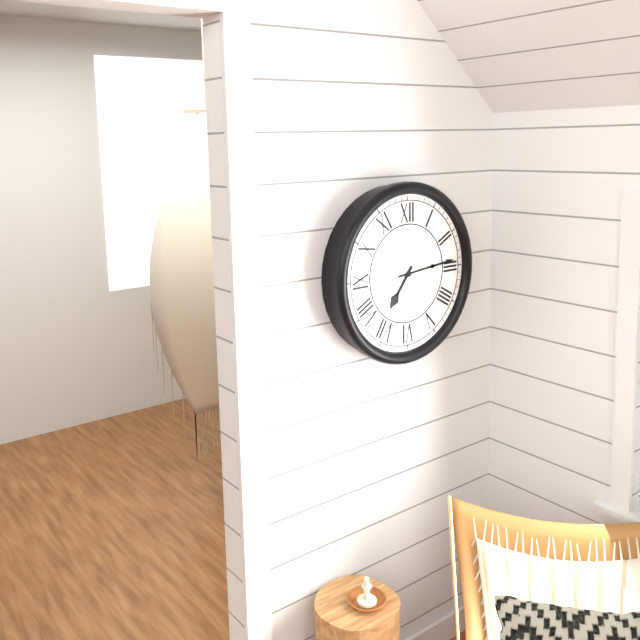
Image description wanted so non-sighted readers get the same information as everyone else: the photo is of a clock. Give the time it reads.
7:14
